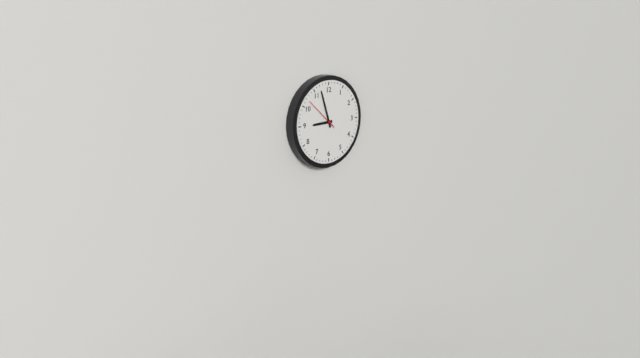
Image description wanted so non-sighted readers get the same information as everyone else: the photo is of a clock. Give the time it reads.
8:57
